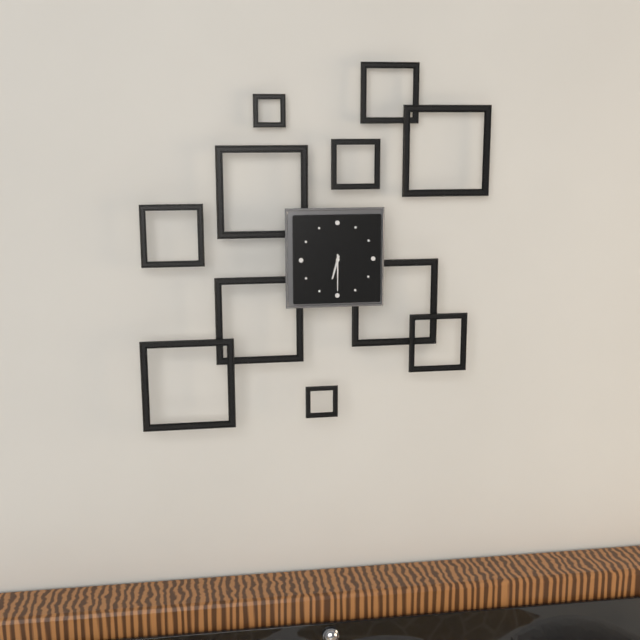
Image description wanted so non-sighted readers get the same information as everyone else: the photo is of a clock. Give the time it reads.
6:30
